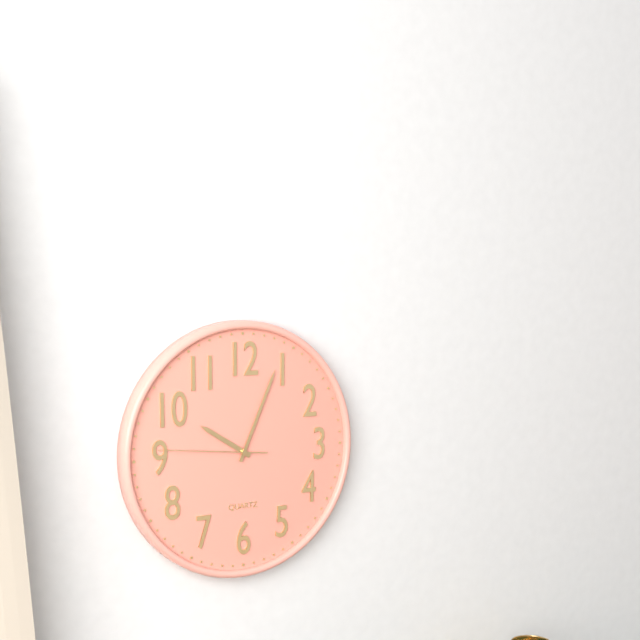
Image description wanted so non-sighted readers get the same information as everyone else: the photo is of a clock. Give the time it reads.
10:04:46
